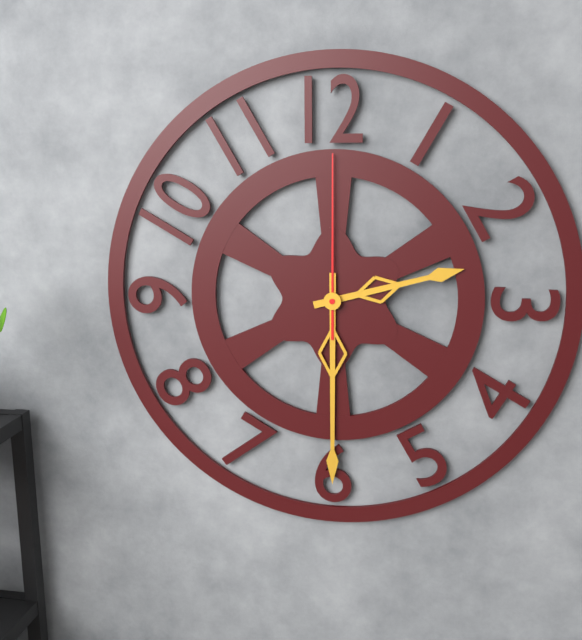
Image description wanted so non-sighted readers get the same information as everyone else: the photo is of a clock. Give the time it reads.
2:30:00
